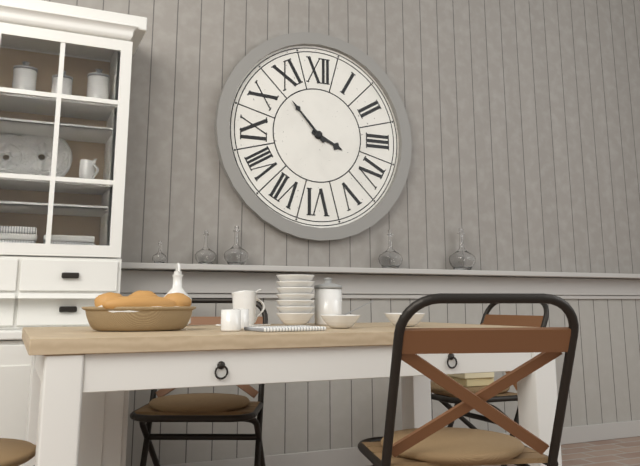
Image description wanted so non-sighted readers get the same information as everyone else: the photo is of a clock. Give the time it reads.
3:53
